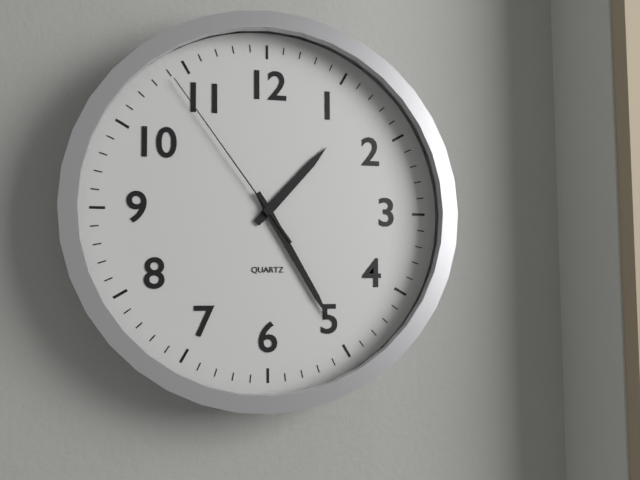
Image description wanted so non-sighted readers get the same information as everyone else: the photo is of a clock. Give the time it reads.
1:25:54
